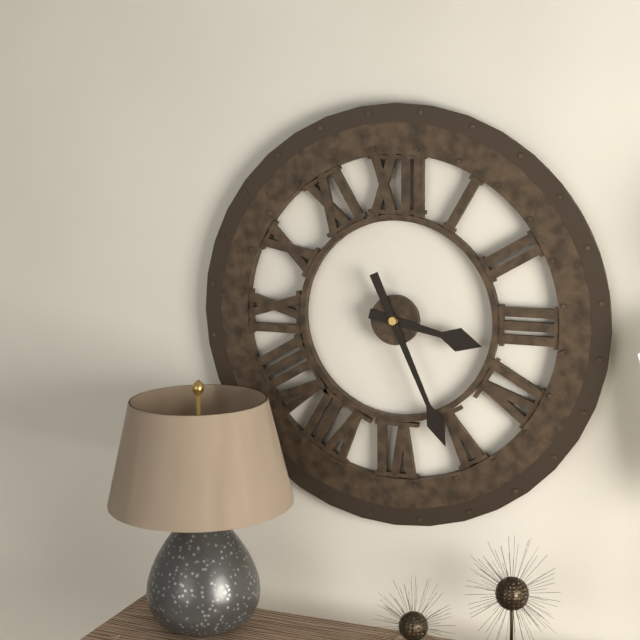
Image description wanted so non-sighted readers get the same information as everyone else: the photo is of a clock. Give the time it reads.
3:26
